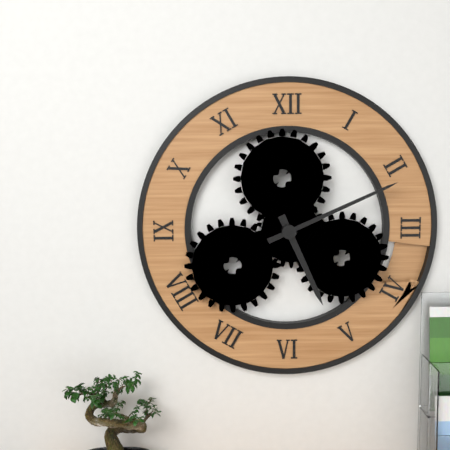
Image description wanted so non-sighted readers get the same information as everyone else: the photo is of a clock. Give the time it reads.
5:11
